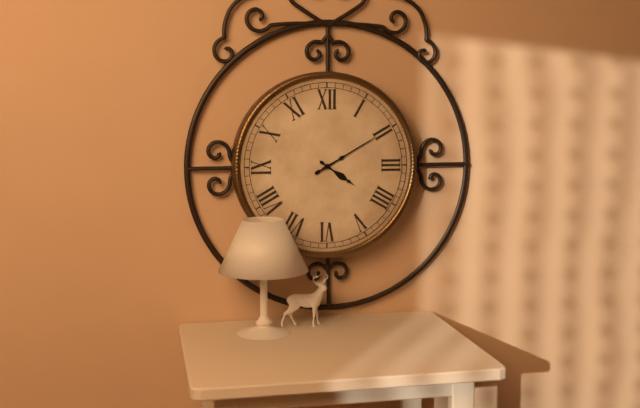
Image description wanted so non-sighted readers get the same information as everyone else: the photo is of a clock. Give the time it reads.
4:10
